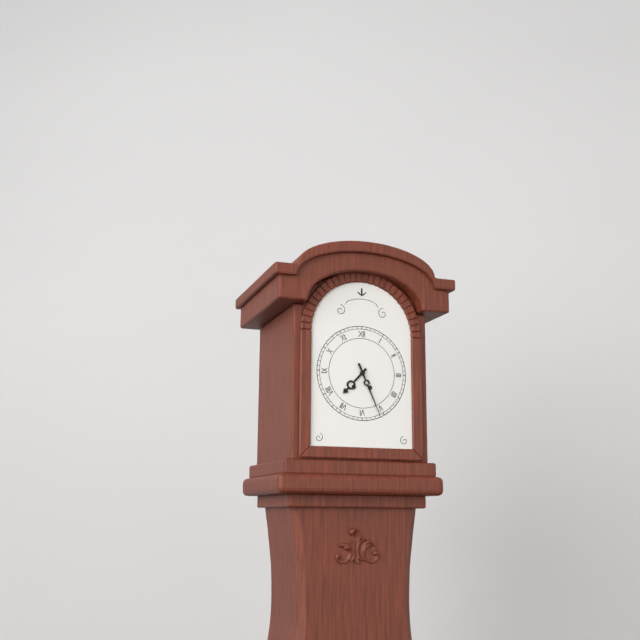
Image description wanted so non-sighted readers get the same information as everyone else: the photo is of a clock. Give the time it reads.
7:26
